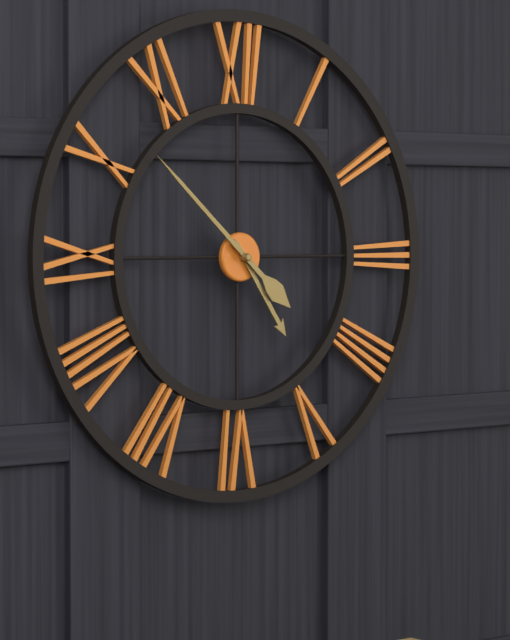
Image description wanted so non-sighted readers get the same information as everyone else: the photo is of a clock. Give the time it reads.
4:52
